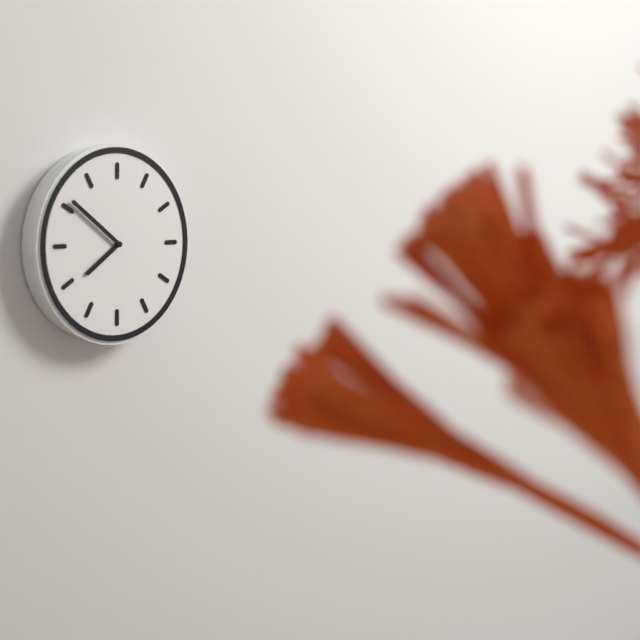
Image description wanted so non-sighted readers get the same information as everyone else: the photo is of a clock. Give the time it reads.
7:51
